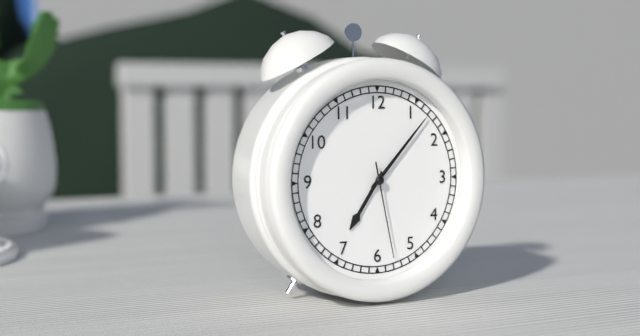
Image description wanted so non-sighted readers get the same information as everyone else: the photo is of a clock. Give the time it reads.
7:07:28
